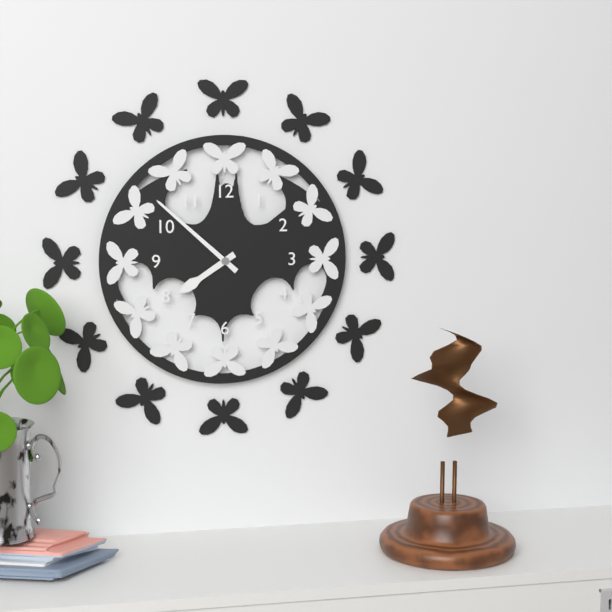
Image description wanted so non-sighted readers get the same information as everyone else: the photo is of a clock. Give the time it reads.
7:52
